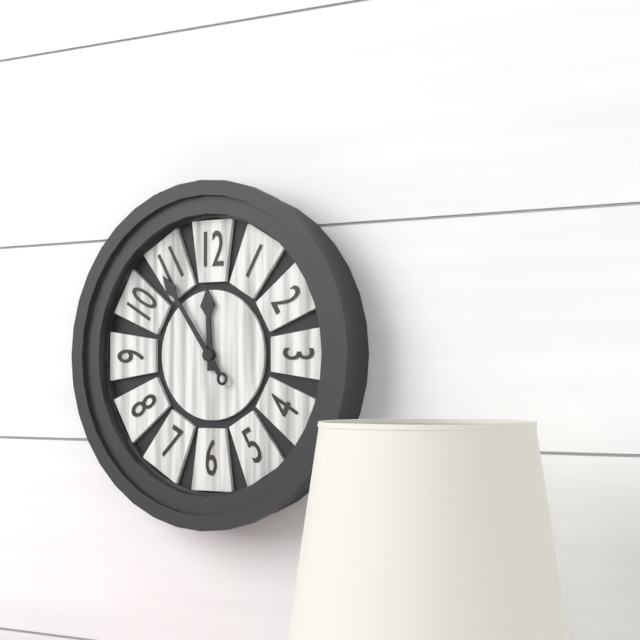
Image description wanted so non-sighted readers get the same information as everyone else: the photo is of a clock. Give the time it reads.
11:54
